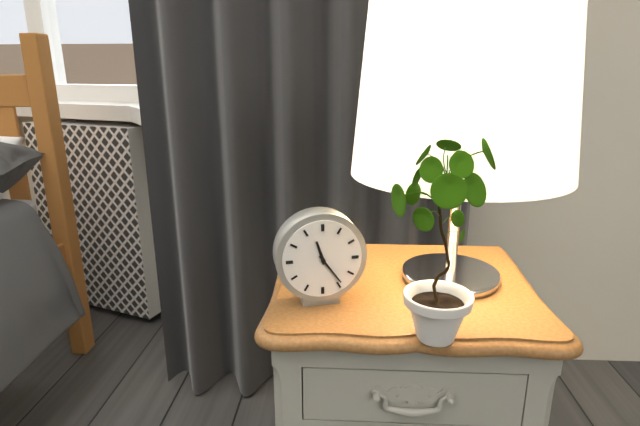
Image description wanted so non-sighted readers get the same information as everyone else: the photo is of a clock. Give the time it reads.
11:24
